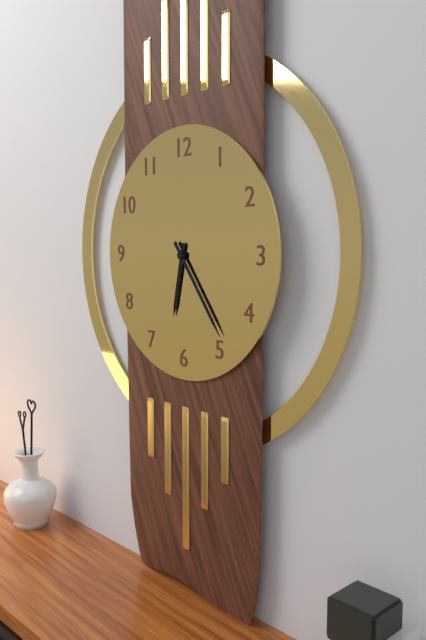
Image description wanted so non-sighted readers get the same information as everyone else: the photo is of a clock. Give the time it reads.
6:24
